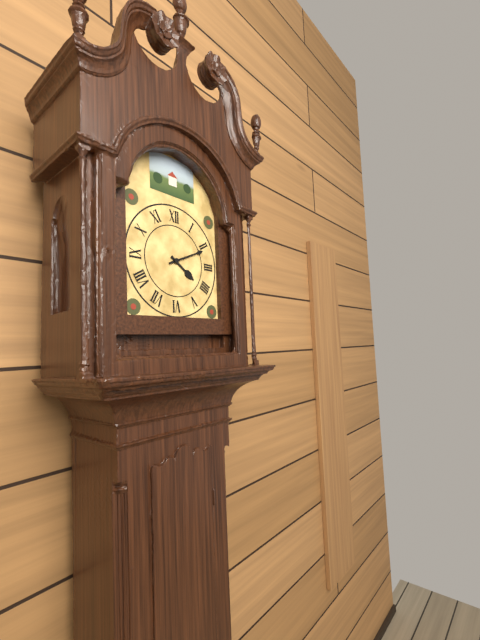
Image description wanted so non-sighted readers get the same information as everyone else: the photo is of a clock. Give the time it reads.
4:11
